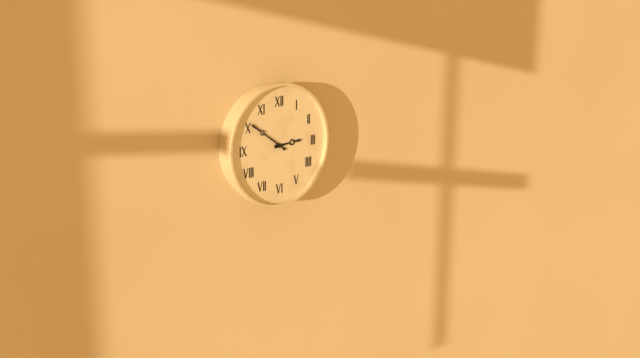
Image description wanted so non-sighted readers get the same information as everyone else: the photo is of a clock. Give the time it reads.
2:51
